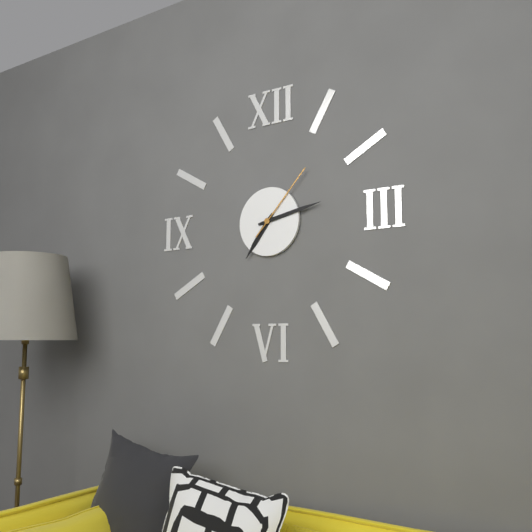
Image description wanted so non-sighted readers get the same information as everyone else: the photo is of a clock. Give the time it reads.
7:13:07
